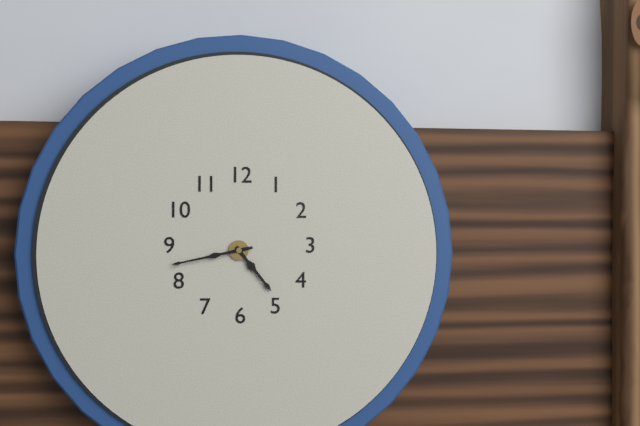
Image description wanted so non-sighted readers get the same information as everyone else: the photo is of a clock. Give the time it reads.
4:43
